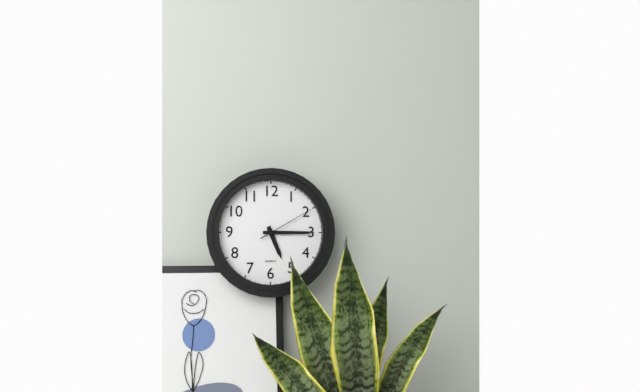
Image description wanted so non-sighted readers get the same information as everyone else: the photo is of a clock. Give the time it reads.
5:15:10
